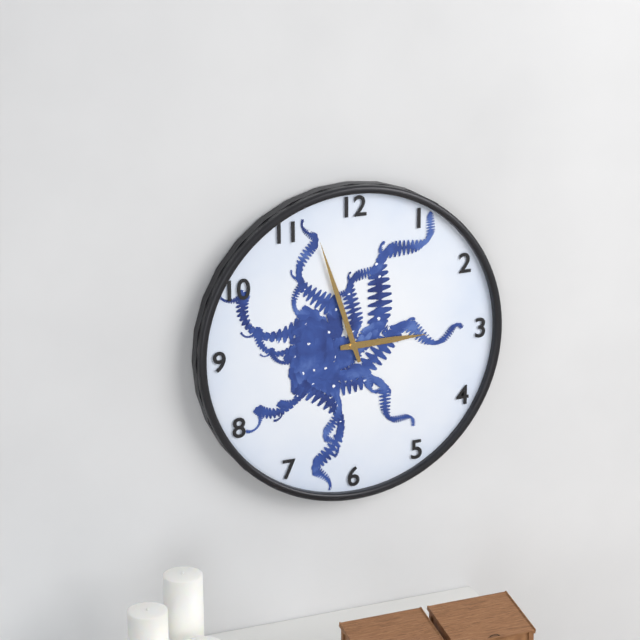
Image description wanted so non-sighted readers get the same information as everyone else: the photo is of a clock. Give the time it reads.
2:57
